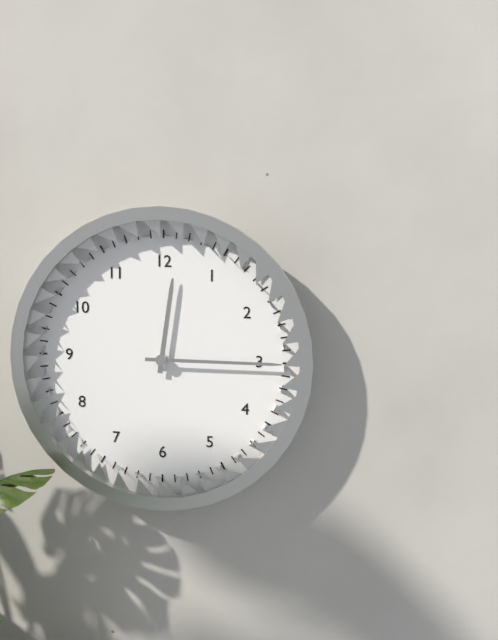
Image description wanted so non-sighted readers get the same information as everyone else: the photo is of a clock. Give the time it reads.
12:15
